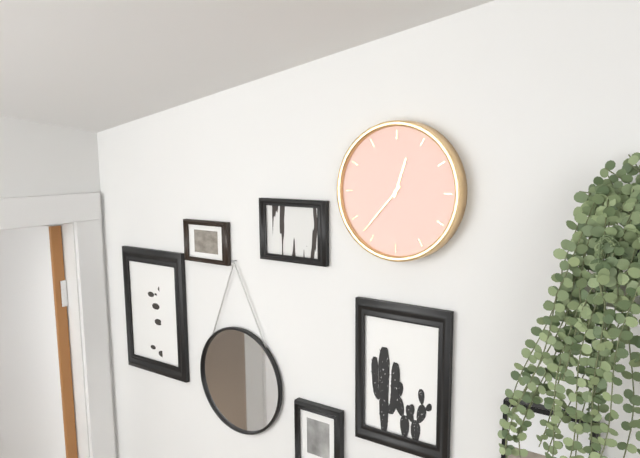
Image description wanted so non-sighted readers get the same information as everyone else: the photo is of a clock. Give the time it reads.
12:37
